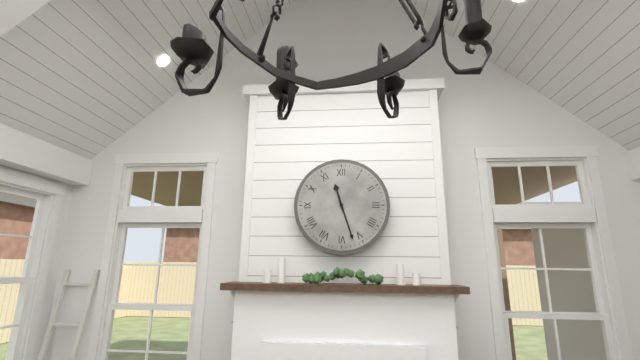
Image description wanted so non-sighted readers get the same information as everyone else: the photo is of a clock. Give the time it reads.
11:27
